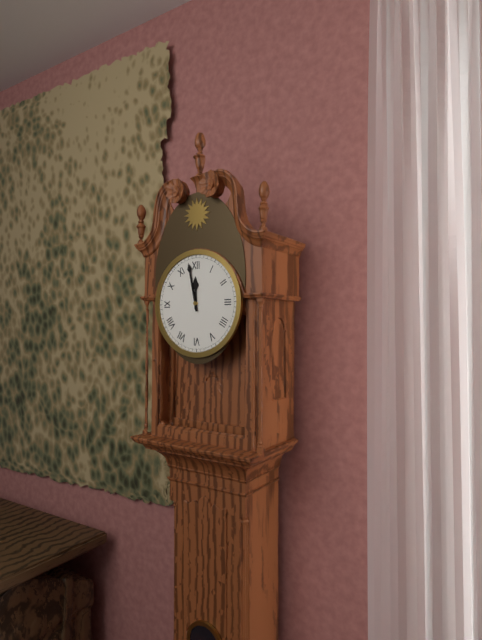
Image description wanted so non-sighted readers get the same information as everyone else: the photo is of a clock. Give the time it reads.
11:58
